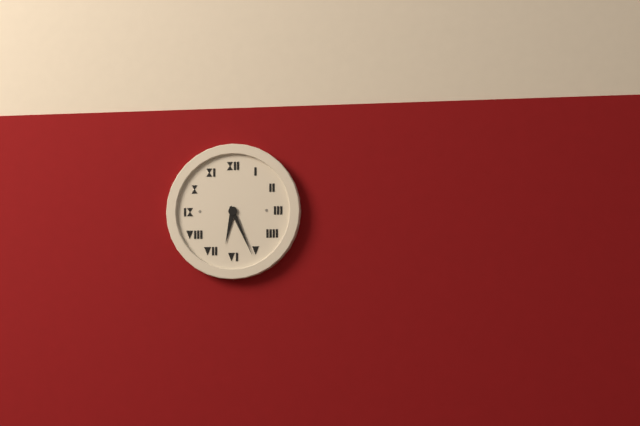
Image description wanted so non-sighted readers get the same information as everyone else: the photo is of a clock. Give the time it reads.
6:26
